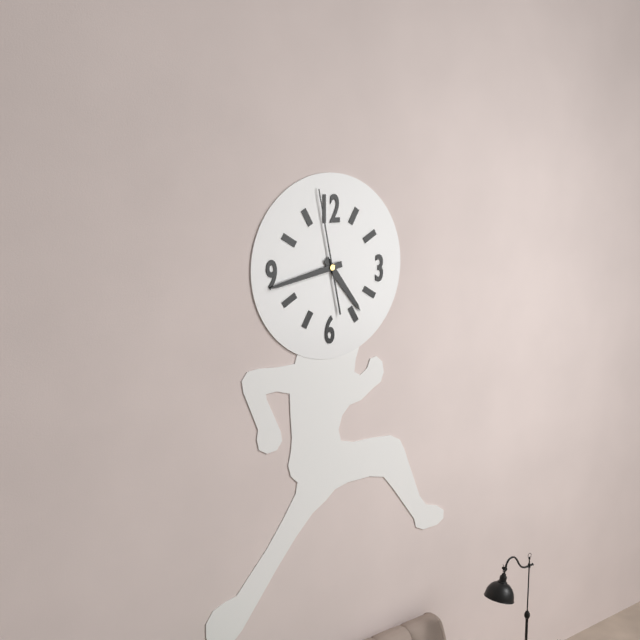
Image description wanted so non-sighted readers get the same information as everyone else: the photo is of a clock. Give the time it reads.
4:43:58
